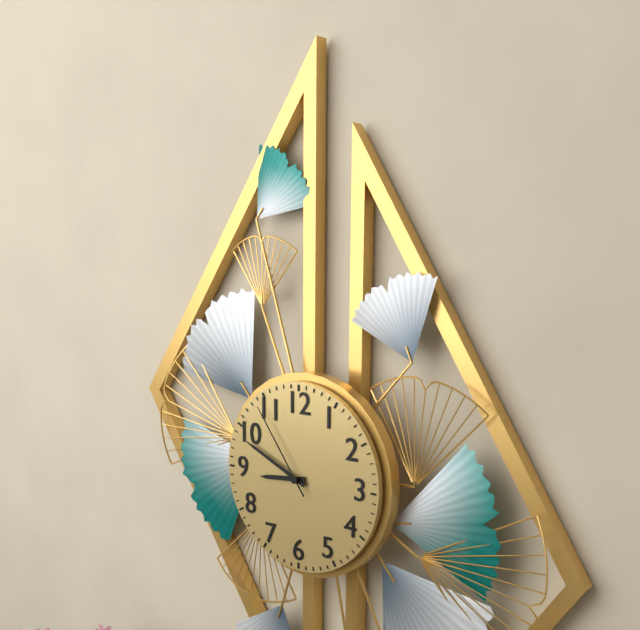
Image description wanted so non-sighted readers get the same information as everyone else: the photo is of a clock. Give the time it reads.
8:49:54
